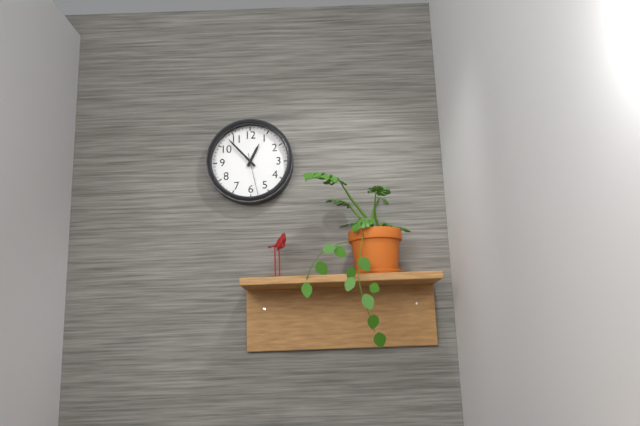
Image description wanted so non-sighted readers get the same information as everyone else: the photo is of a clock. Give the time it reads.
12:53
